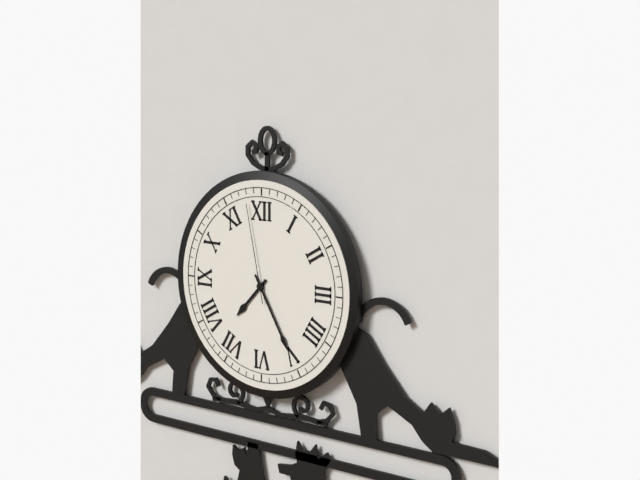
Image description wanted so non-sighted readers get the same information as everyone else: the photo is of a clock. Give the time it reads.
7:25:58
